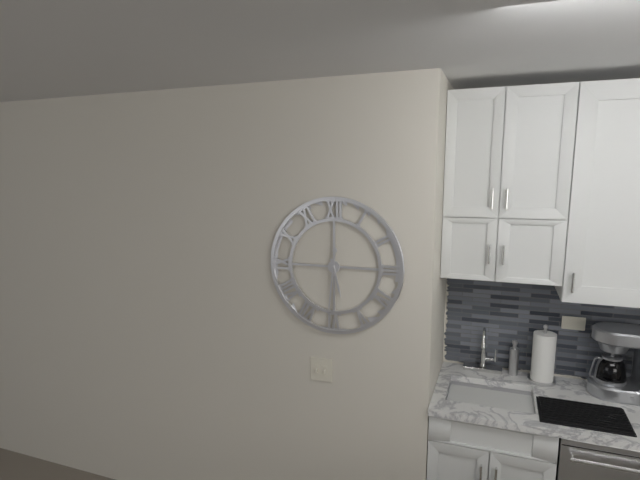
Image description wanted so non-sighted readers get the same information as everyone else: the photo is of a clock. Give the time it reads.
5:31
